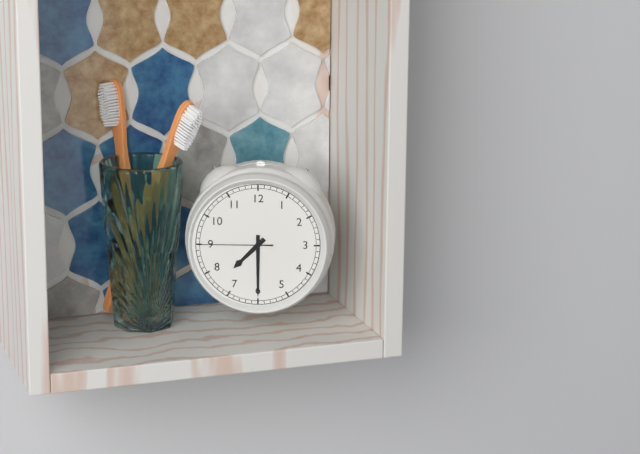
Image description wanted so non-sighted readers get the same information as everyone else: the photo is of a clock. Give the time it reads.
7:30:45
